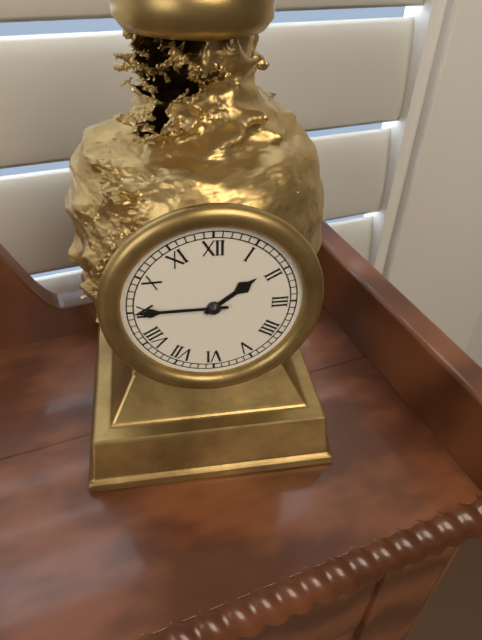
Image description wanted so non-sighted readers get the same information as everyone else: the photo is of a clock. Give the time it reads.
1:45
